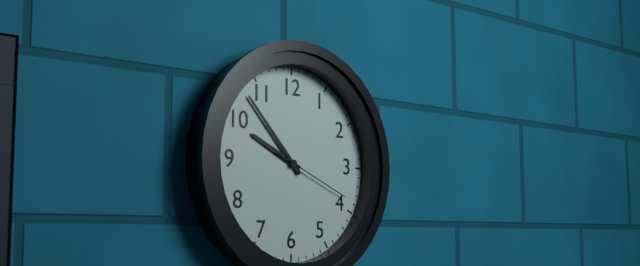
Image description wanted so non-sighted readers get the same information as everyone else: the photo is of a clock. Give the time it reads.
9:53:19
